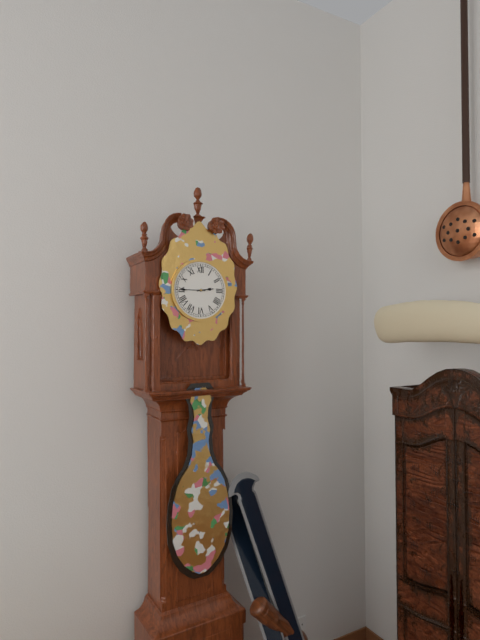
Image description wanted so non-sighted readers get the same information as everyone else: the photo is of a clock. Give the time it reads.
2:45
